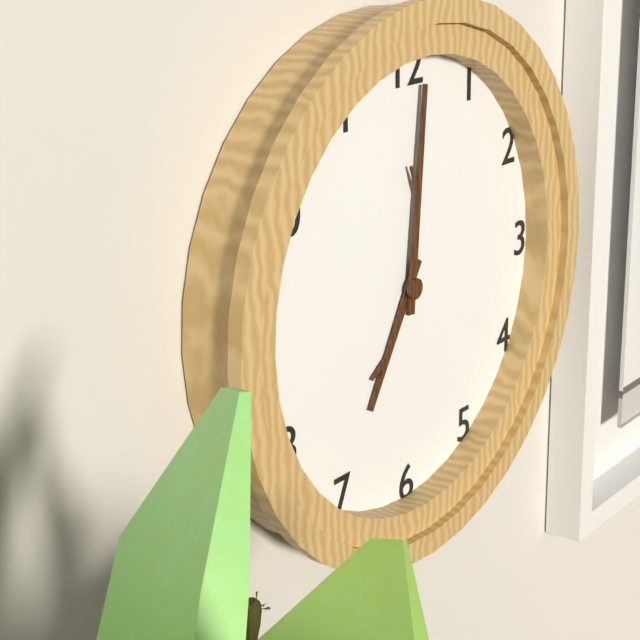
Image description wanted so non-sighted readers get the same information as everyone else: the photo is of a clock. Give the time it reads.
7:01
